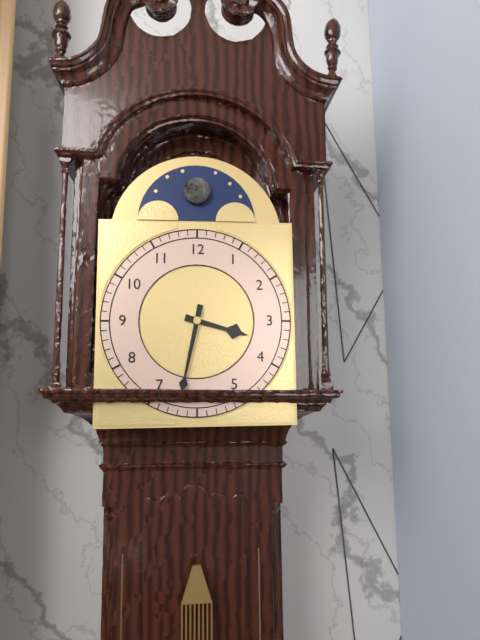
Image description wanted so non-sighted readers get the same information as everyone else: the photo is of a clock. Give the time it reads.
3:32
